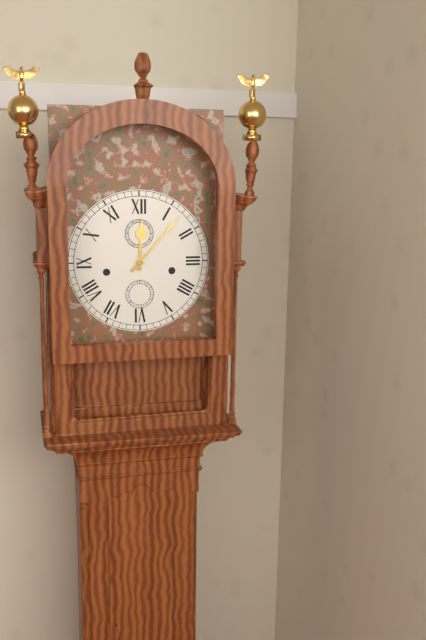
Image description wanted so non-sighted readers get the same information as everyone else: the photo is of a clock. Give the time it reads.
12:07
